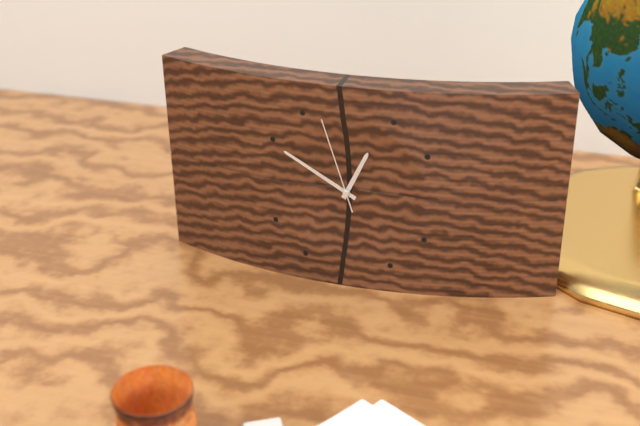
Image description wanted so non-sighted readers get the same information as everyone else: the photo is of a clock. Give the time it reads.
12:50:57
